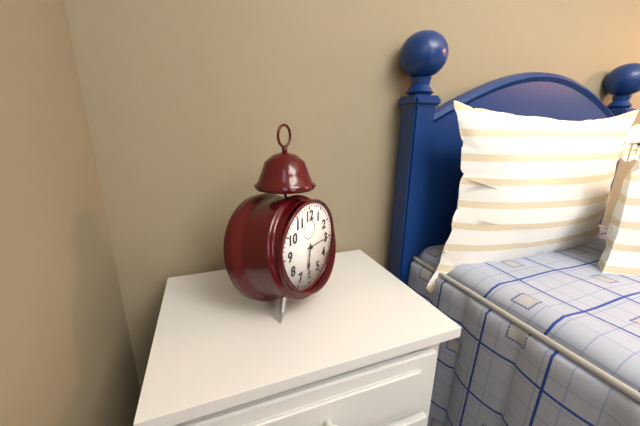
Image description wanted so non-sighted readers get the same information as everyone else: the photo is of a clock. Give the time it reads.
6:15
